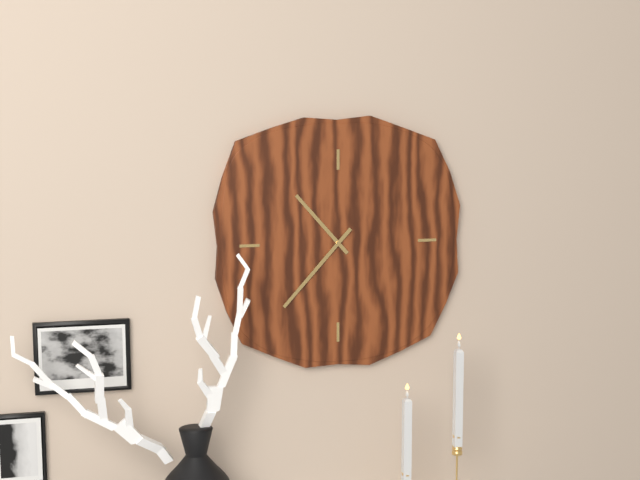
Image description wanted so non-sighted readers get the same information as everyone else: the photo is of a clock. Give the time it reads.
10:37
